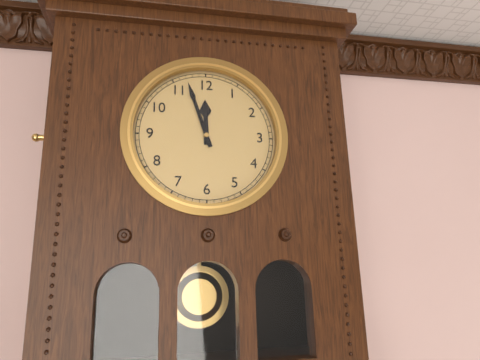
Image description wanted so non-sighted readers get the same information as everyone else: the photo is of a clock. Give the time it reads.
11:57
